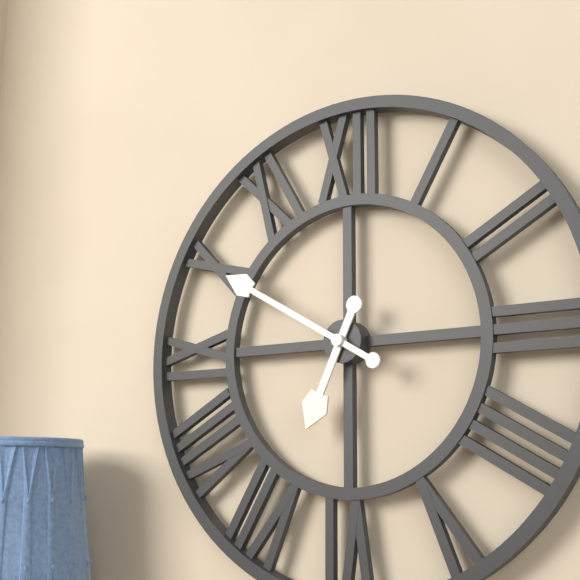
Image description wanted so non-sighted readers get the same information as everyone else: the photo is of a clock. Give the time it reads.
6:50
